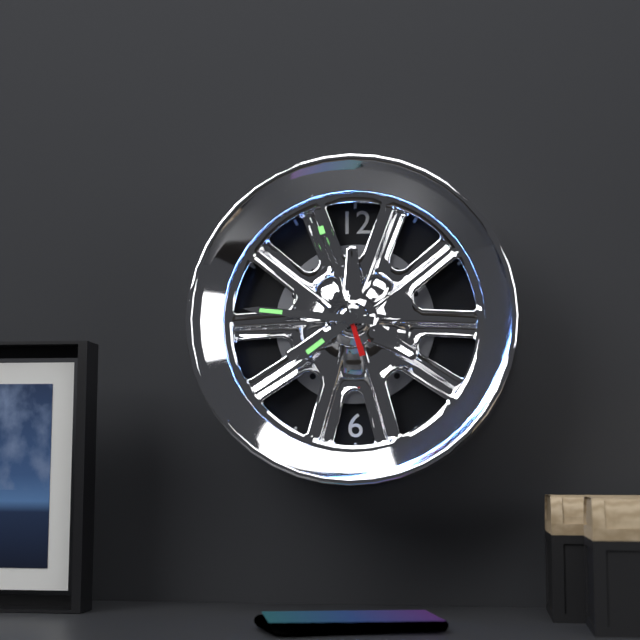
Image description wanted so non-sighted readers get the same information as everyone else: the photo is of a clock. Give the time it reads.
7:46:57
